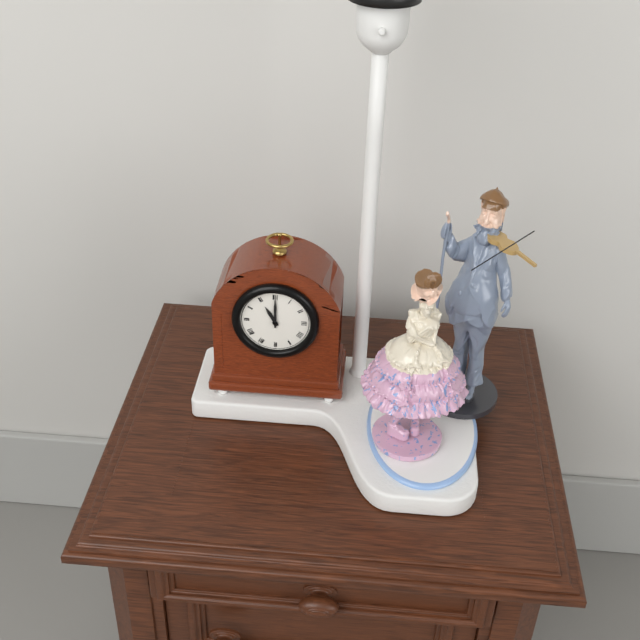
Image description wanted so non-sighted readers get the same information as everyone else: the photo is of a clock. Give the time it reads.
11:00
